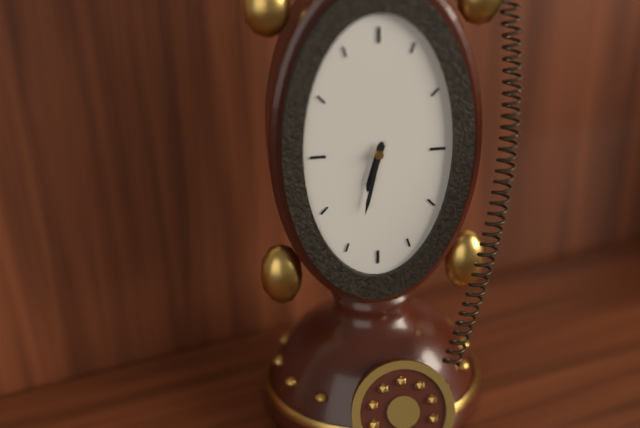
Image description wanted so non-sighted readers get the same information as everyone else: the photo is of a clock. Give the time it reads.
6:32
